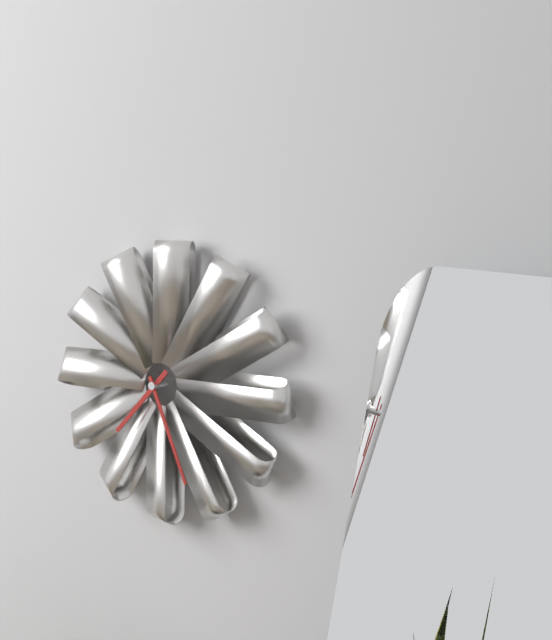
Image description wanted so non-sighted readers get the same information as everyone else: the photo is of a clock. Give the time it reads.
7:26
